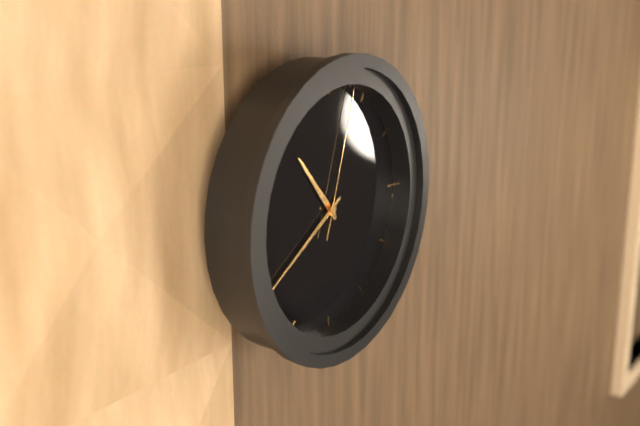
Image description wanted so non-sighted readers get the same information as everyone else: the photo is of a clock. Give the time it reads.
10:40:03
